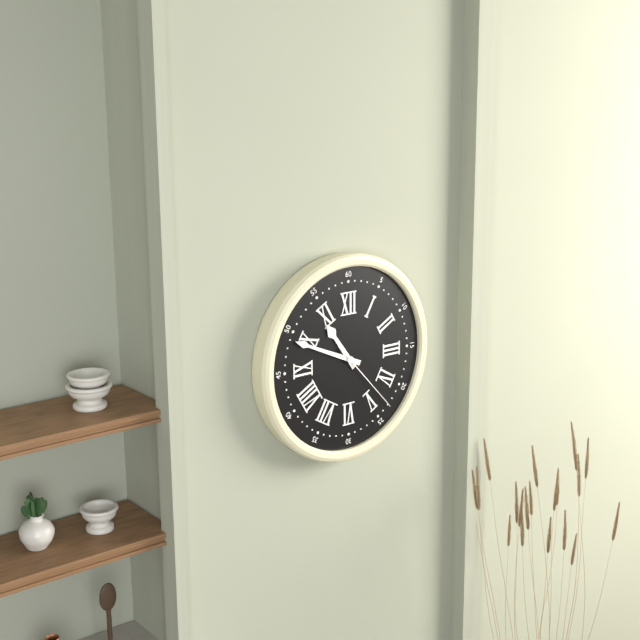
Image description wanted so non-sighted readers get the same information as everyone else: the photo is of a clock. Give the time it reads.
10:49:23
